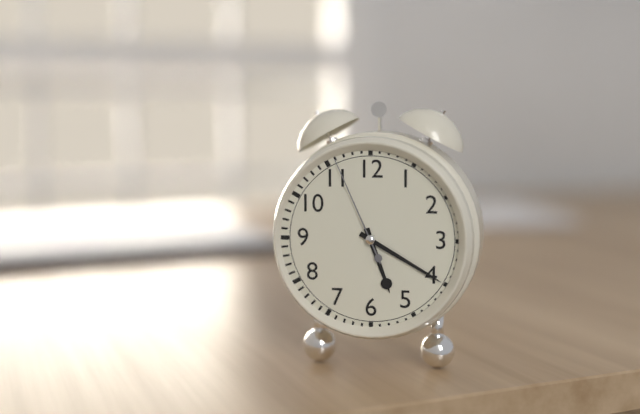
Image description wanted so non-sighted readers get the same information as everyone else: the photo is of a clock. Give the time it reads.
5:20:56
